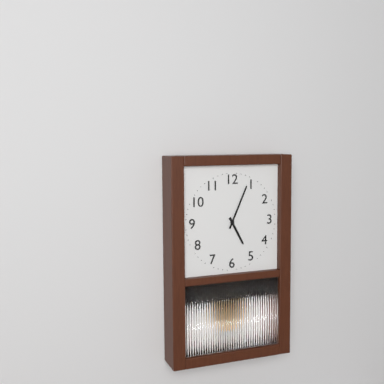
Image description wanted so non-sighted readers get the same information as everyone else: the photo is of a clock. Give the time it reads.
5:04
